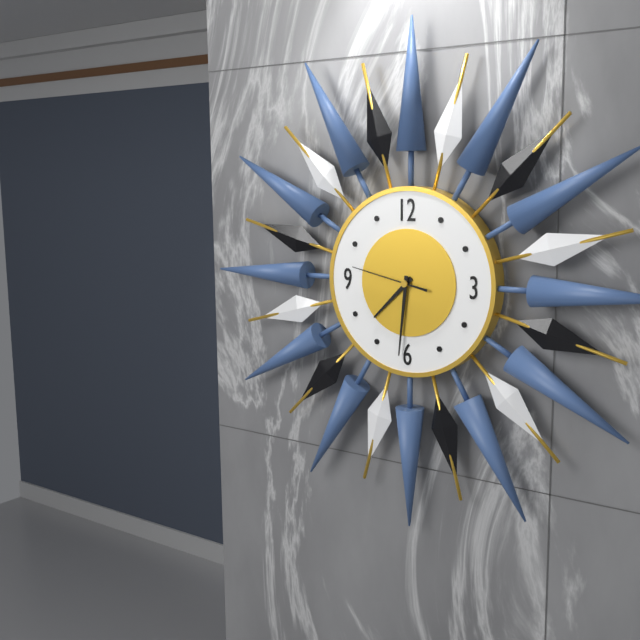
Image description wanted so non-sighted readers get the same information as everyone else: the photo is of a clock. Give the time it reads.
7:31:47
